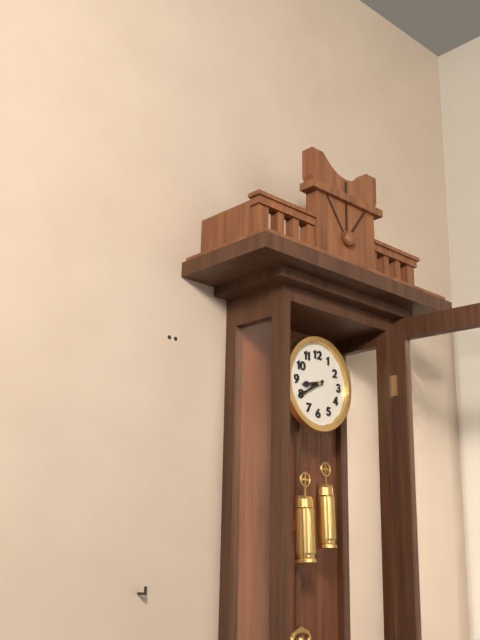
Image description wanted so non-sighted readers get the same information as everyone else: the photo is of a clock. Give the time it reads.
8:40
